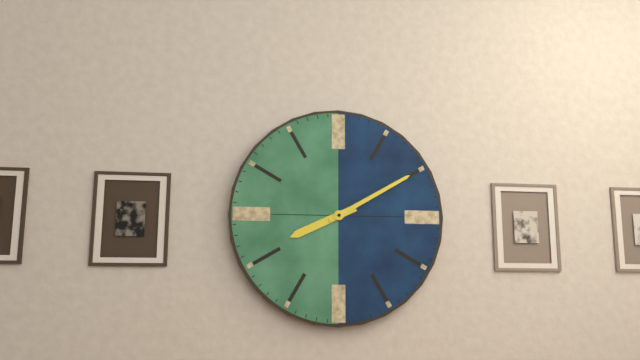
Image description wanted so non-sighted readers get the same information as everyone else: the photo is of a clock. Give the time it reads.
8:10
